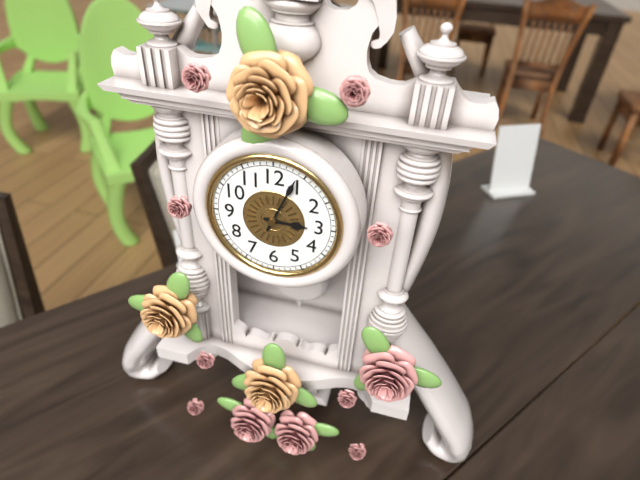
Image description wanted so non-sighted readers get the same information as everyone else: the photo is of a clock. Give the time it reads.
3:04
